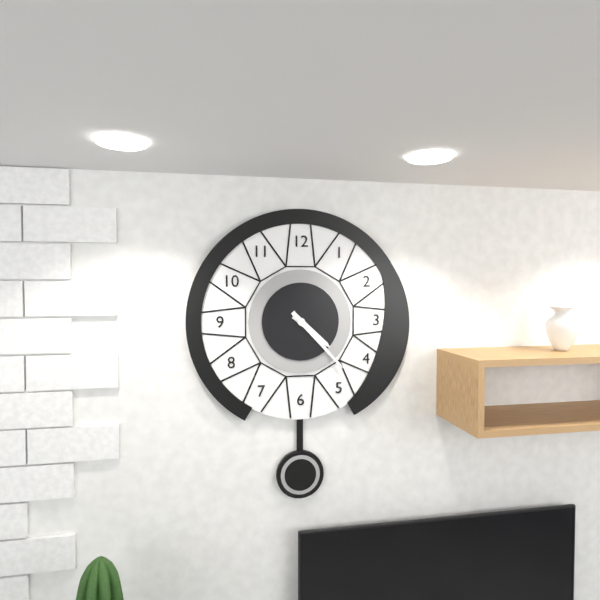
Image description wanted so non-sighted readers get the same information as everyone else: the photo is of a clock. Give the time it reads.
4:23
